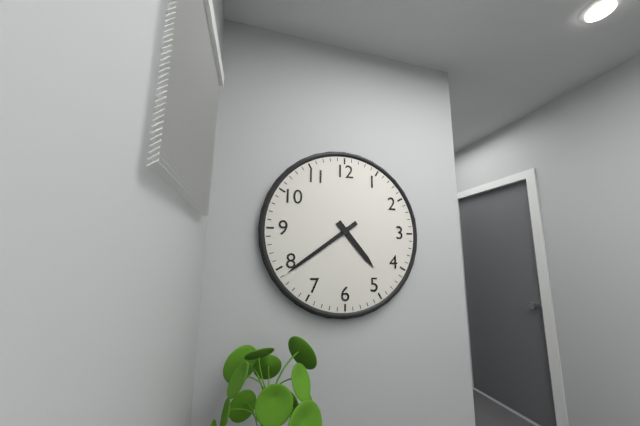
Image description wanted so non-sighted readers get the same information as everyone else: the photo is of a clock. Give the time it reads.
4:39
